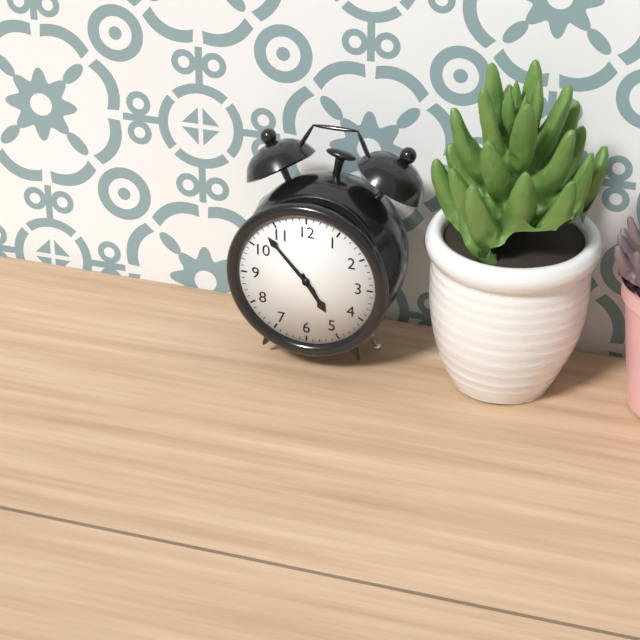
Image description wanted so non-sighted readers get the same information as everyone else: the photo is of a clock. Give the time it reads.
4:53
